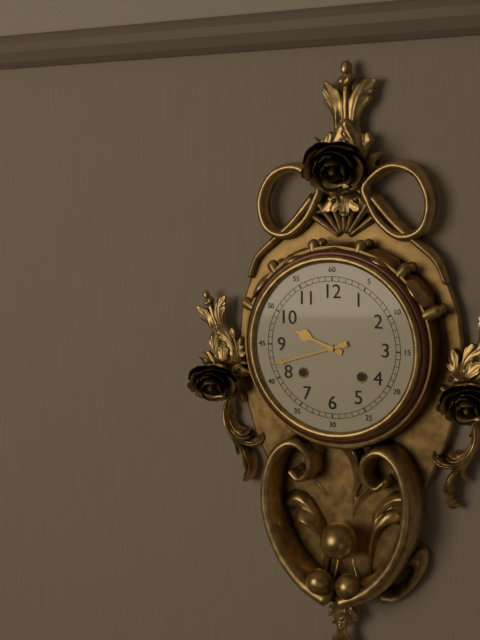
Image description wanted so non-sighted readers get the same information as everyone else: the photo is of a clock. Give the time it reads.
9:42
